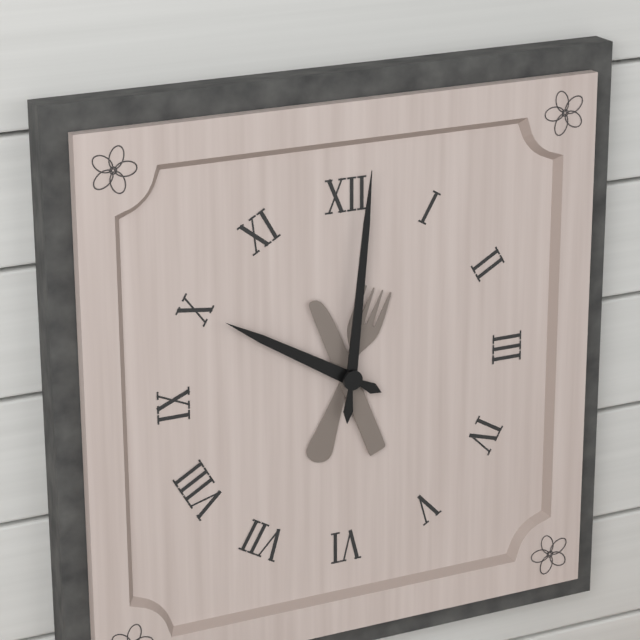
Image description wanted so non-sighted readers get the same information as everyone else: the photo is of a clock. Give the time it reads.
10:01
